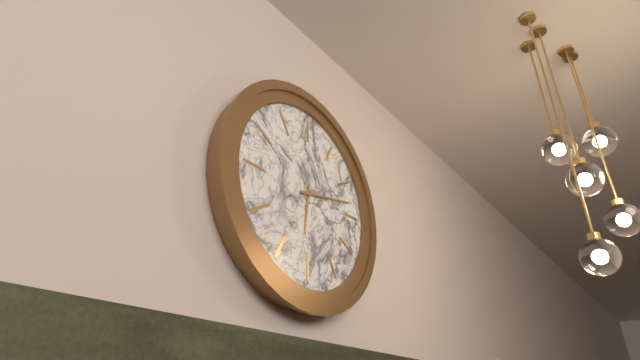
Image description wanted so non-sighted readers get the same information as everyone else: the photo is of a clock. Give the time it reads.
6:13
